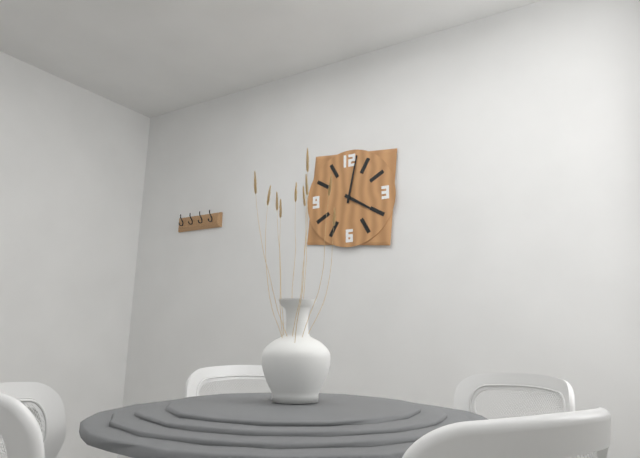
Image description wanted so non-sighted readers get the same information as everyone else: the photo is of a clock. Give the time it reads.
4:02
